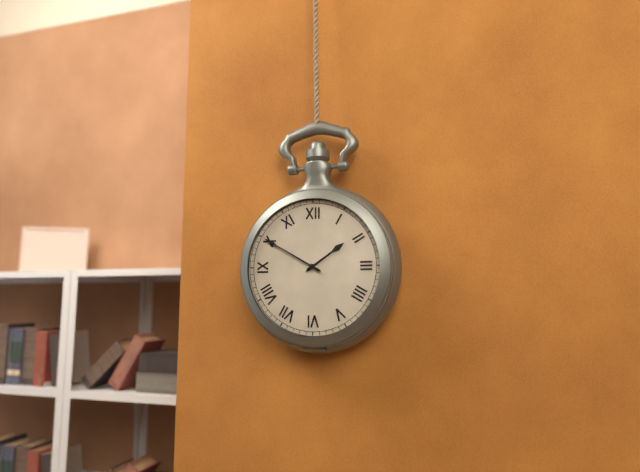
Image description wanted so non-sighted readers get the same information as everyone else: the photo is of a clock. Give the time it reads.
1:50
